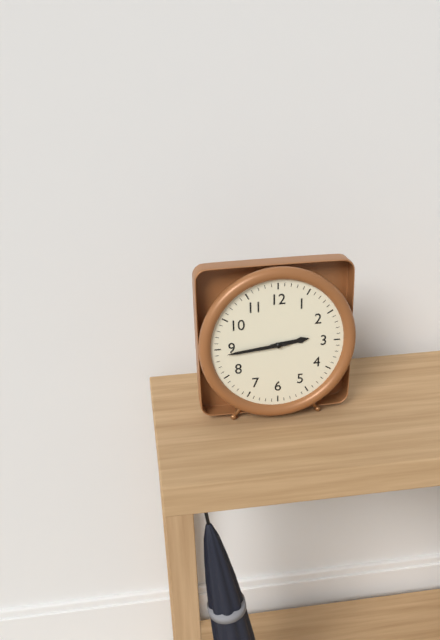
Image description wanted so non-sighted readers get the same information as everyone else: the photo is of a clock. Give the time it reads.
2:44
